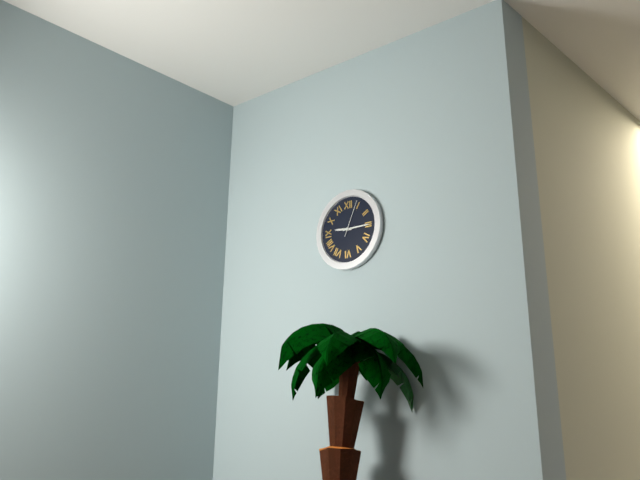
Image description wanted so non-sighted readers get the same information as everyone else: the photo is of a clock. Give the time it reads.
9:15
